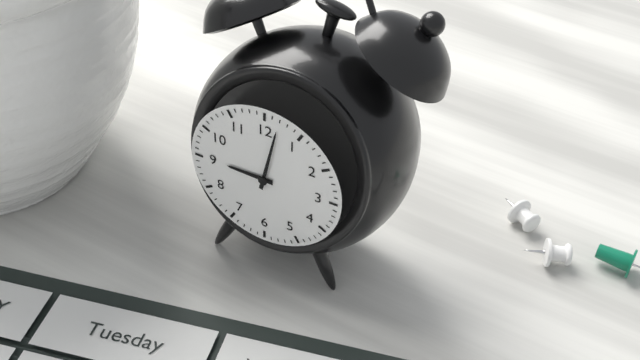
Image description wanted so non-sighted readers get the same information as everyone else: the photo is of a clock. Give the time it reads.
9:02
